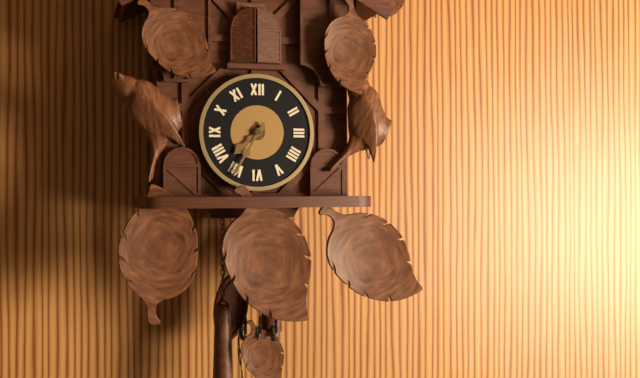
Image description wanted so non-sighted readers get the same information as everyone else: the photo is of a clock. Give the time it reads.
7:35
